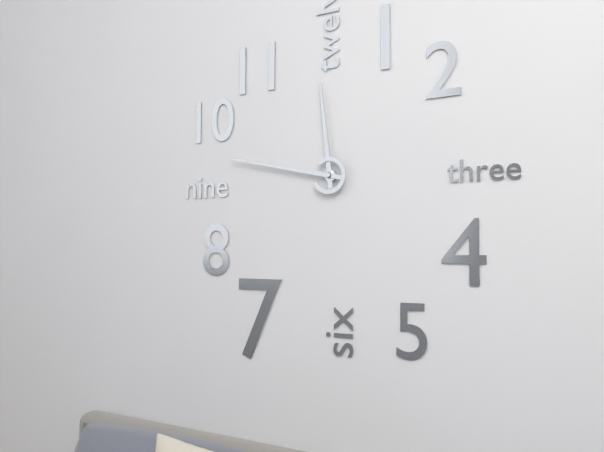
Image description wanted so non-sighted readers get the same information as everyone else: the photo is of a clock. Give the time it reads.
11:47
